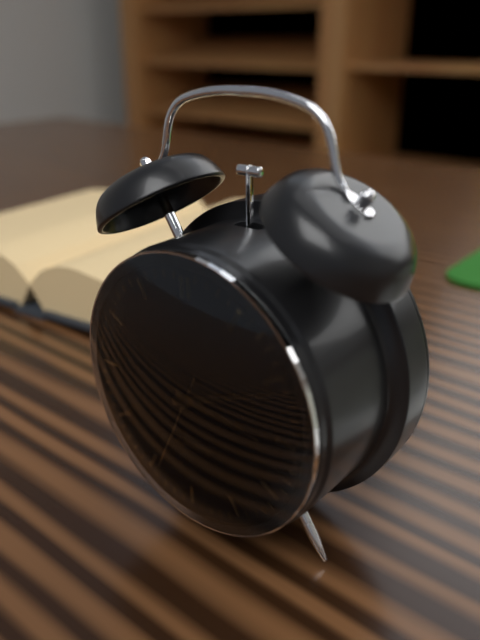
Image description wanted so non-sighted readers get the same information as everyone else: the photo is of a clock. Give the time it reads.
3:11:34
